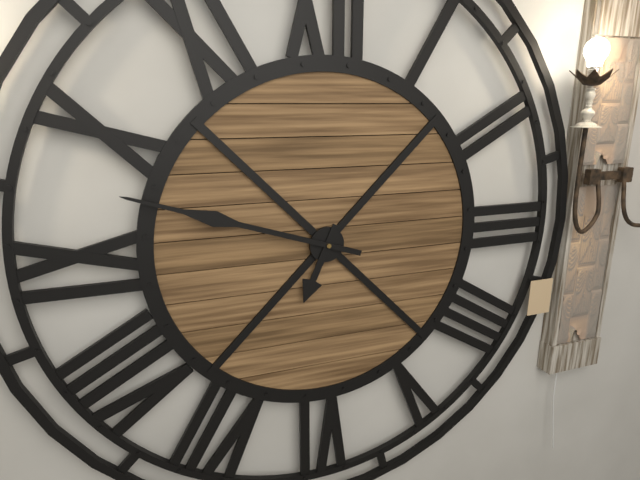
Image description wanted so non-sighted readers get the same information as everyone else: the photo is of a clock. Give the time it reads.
6:48
